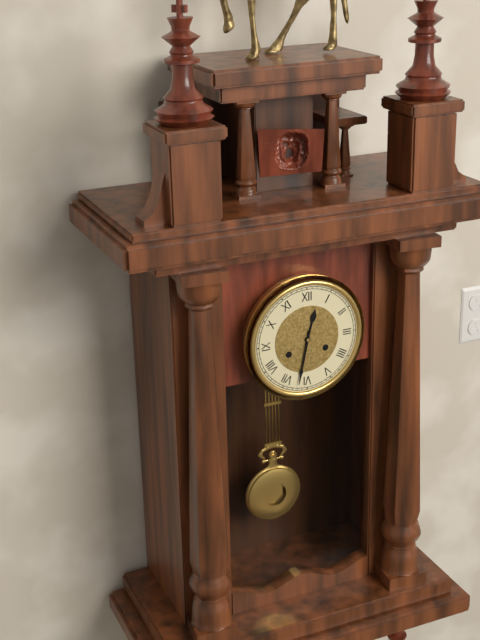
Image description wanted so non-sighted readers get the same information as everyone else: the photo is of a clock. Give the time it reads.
12:32
